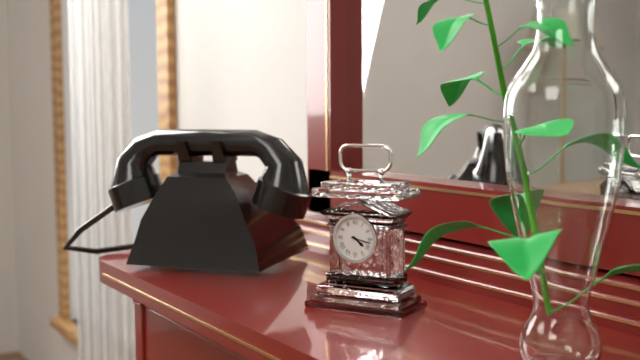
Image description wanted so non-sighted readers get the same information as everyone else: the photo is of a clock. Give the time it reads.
4:17
